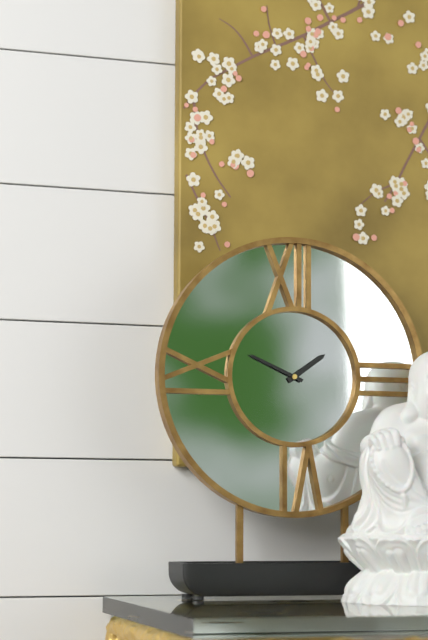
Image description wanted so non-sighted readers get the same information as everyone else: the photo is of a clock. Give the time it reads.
1:49
